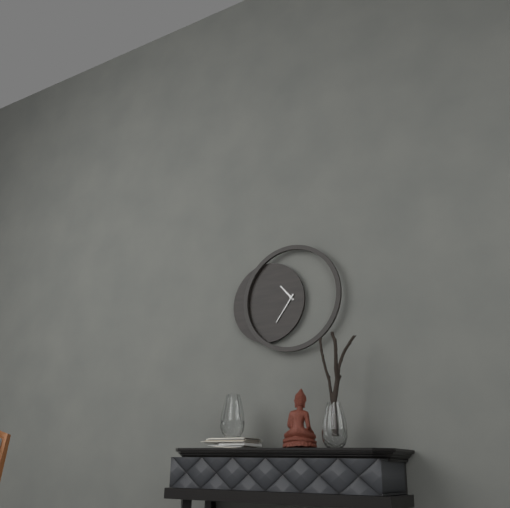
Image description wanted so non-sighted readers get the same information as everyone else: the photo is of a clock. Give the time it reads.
10:36
